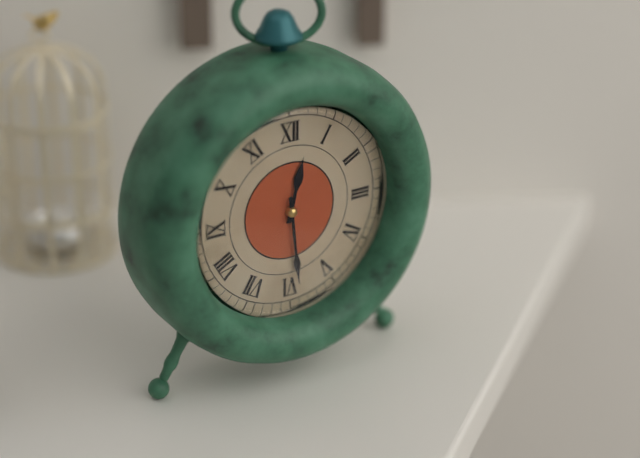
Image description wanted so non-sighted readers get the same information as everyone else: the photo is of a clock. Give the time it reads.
12:29
